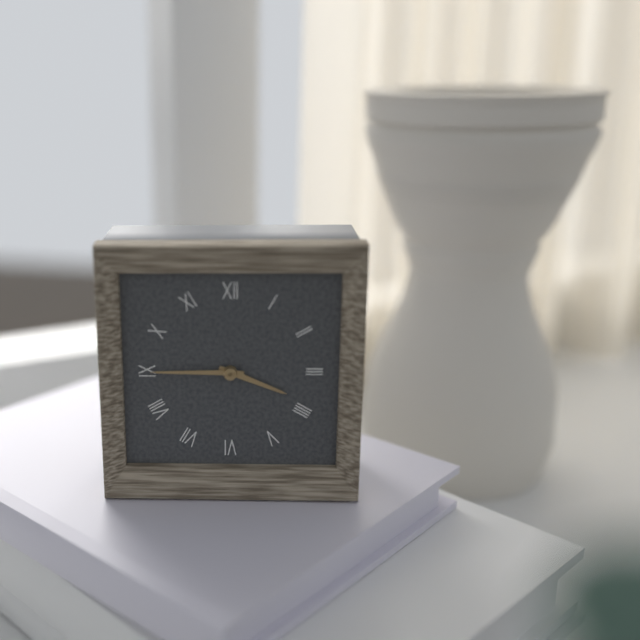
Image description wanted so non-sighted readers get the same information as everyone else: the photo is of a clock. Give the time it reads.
3:45
